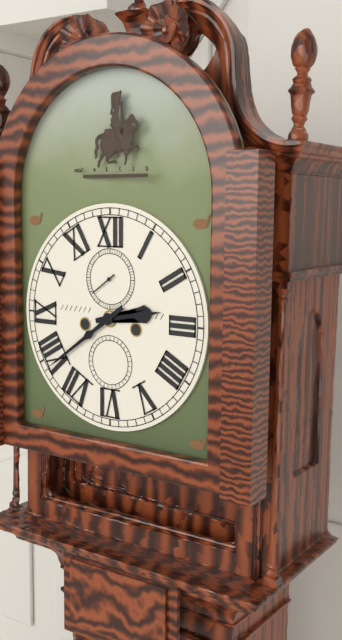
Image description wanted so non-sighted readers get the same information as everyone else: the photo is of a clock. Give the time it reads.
2:39
